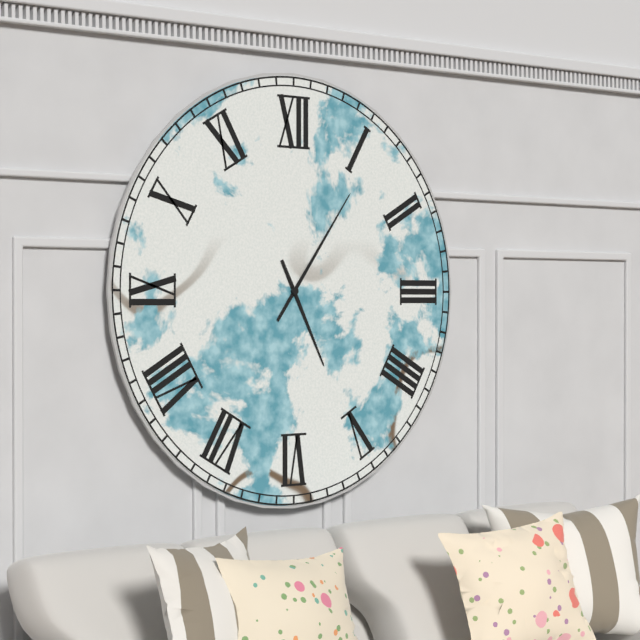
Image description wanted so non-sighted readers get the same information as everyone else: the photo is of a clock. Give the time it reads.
5:06
